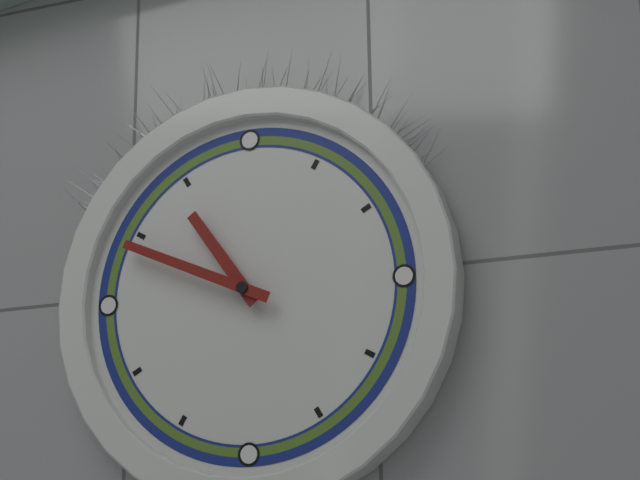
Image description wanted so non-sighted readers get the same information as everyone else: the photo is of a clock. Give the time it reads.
10:49
